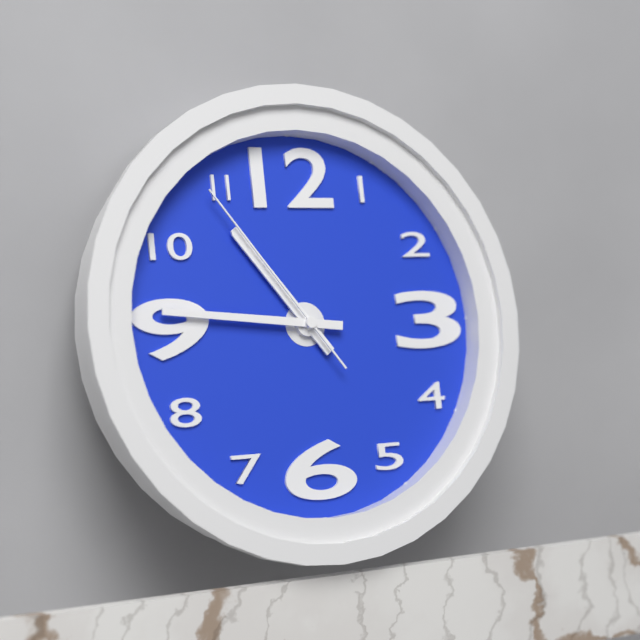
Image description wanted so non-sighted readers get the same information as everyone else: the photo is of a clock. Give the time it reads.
10:46:54
